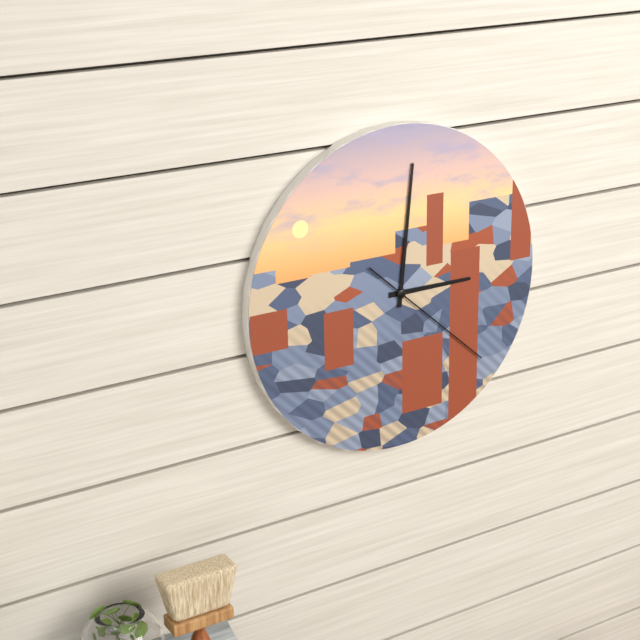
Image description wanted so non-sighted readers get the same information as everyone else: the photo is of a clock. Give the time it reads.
3:01:22
